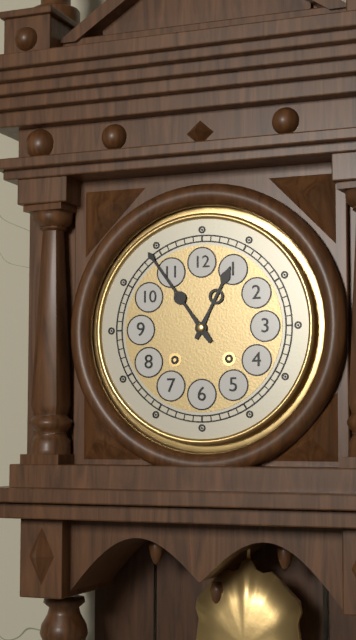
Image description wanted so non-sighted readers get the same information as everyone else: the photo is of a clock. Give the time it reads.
12:54
